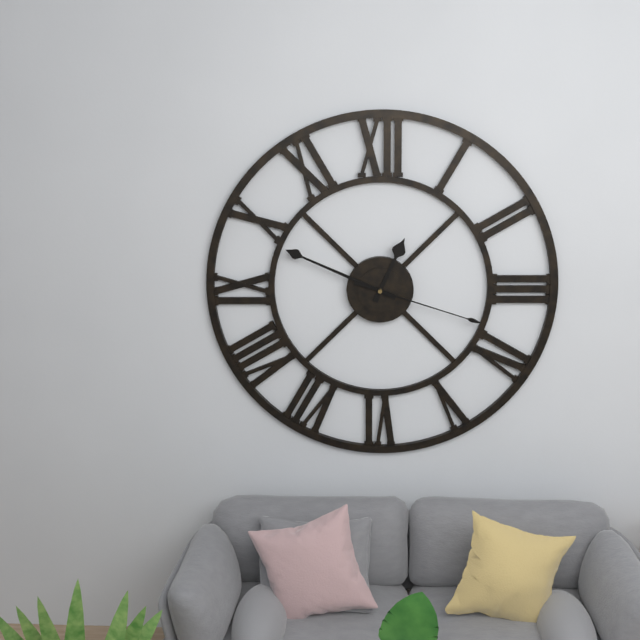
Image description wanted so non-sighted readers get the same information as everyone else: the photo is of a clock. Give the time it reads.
12:49:18
